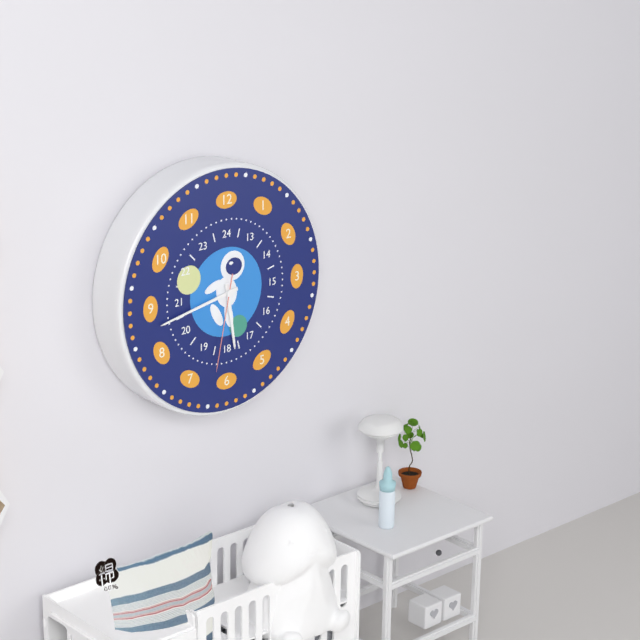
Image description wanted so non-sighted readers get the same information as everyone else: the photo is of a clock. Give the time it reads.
5:43:32
